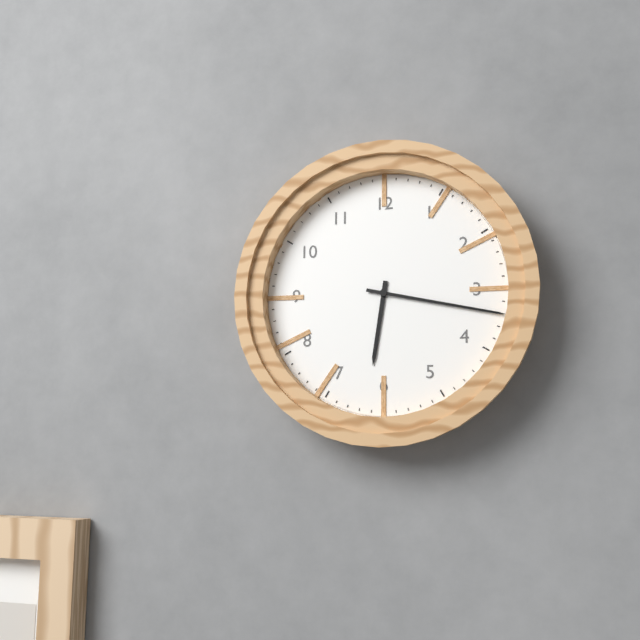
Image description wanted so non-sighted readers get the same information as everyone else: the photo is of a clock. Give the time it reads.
6:17
